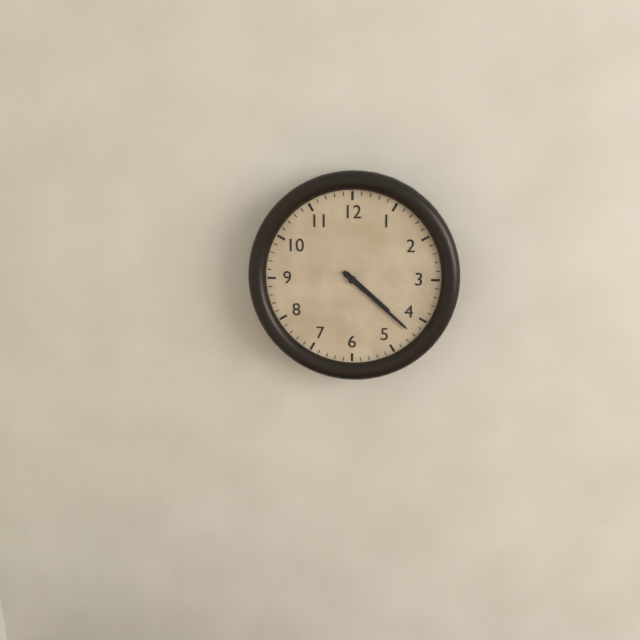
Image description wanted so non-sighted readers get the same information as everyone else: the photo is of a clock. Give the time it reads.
4:22
